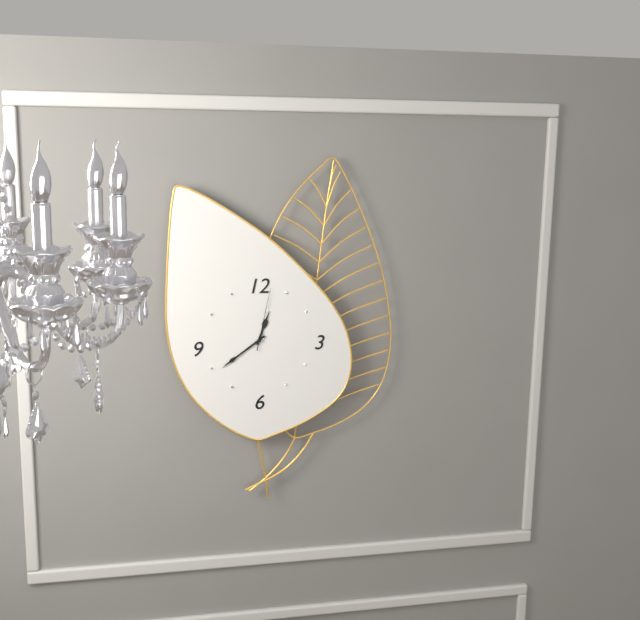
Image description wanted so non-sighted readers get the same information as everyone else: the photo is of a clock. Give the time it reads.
12:39:02
